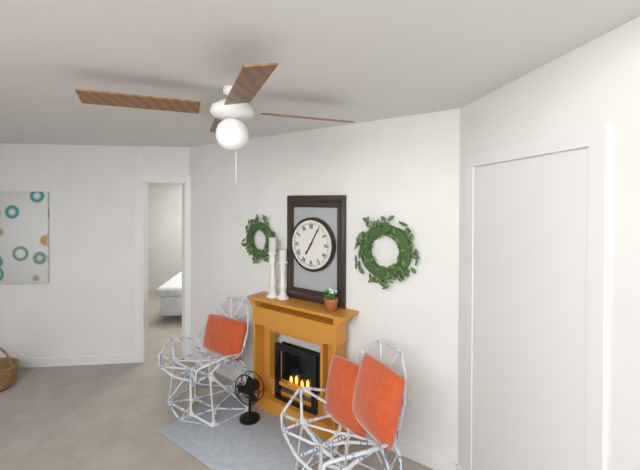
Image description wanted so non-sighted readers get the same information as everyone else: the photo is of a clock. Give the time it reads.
7:05
